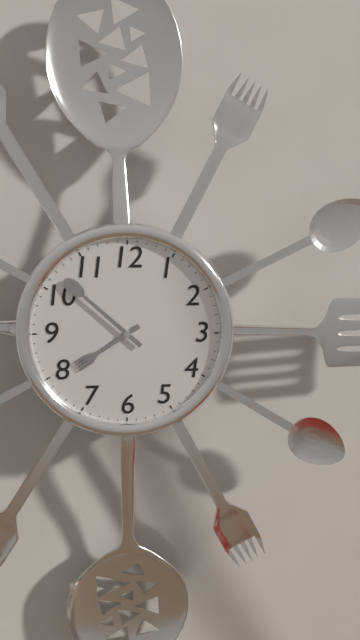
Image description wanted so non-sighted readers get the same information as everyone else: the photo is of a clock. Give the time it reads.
7:52
